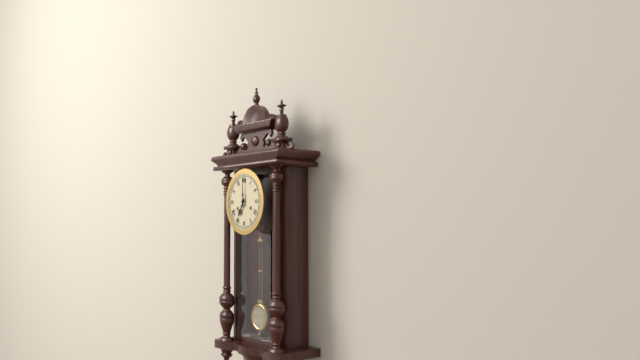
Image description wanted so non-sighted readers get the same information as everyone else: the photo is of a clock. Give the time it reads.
7:00
